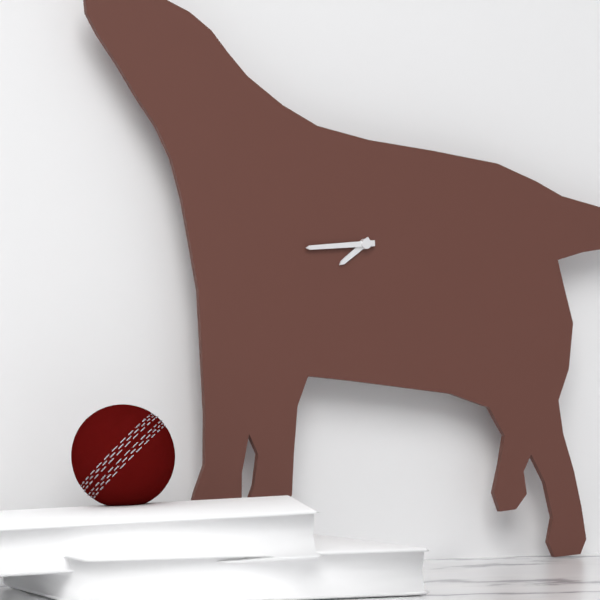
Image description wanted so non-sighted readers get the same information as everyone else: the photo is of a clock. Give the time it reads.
7:44
